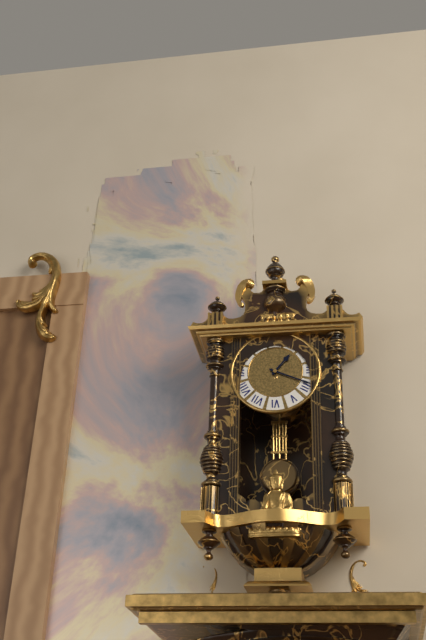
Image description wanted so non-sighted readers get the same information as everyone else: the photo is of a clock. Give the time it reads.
1:19
